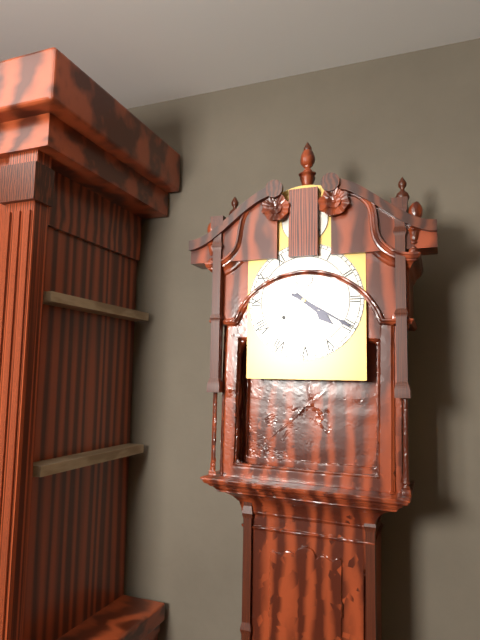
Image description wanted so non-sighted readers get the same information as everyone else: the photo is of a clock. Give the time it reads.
4:20
